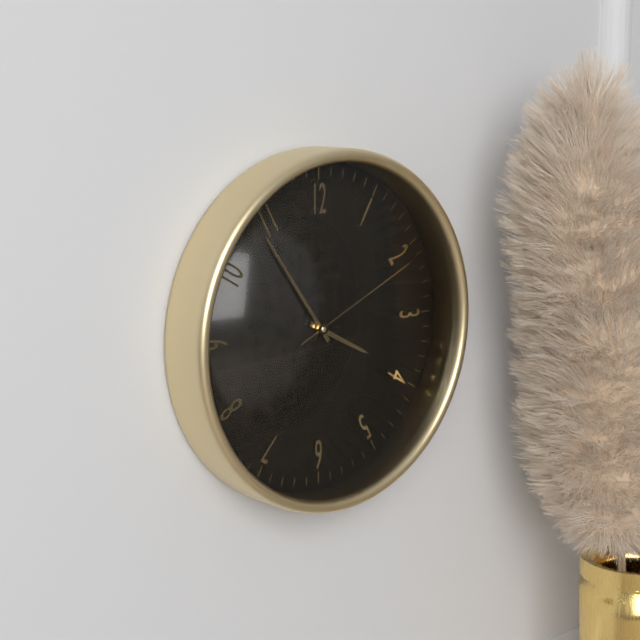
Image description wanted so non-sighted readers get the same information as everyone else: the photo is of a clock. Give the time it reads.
3:54:11
